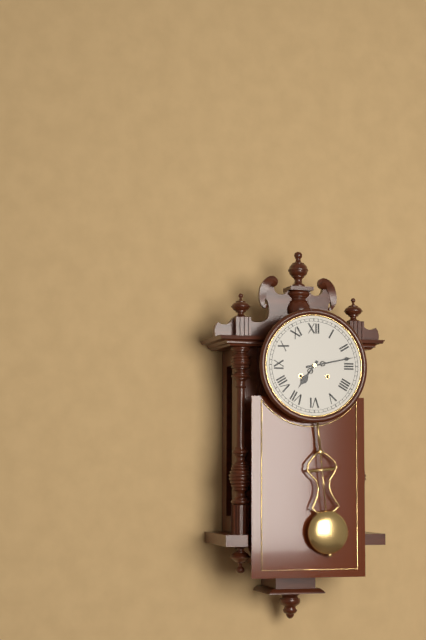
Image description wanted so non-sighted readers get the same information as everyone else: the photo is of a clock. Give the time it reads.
7:13
